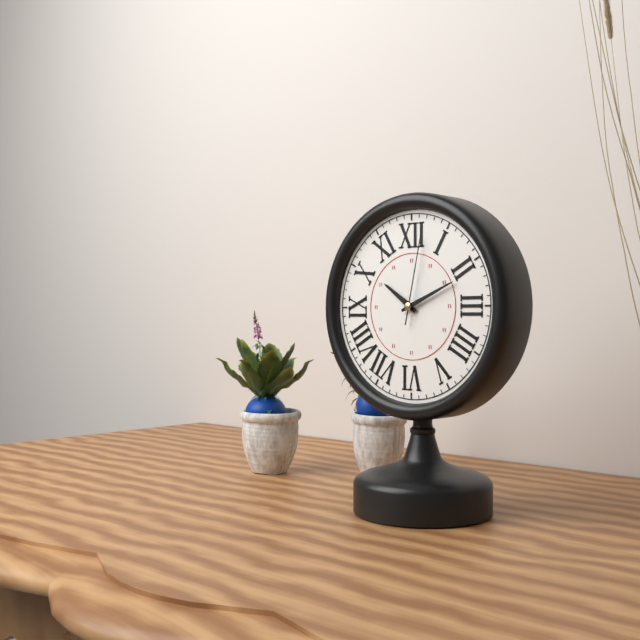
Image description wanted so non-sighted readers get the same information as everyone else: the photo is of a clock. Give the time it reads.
10:11:02
